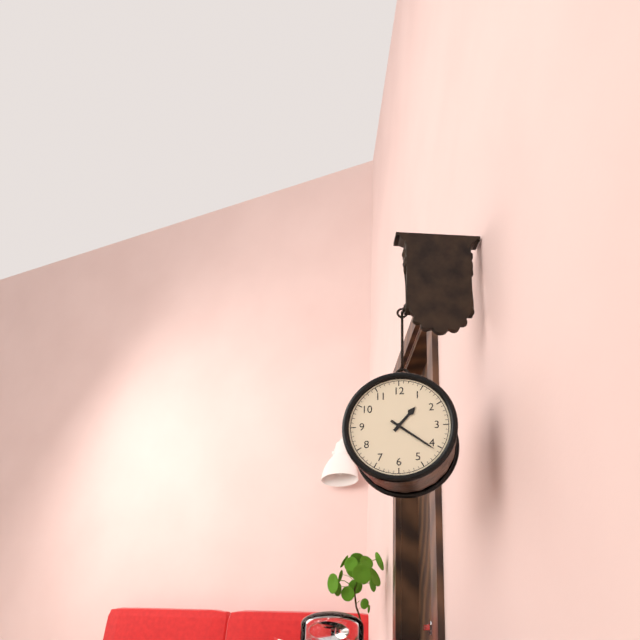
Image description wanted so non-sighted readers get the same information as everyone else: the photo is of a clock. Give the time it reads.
1:21
